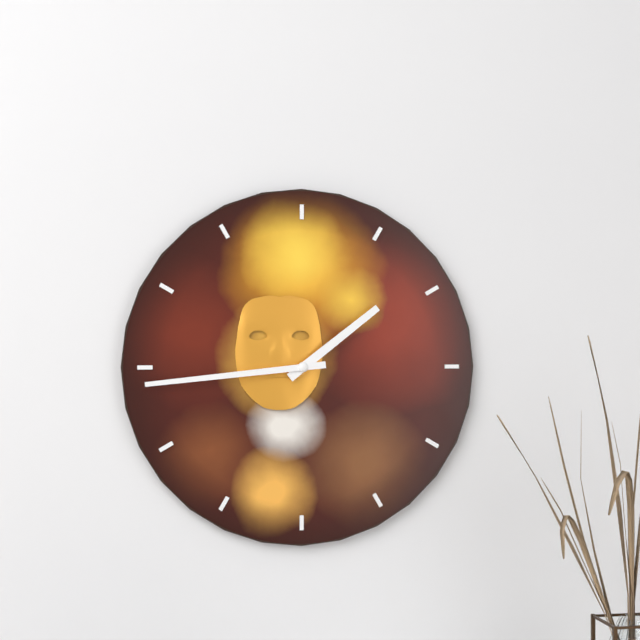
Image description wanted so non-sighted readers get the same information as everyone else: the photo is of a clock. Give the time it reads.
1:44
